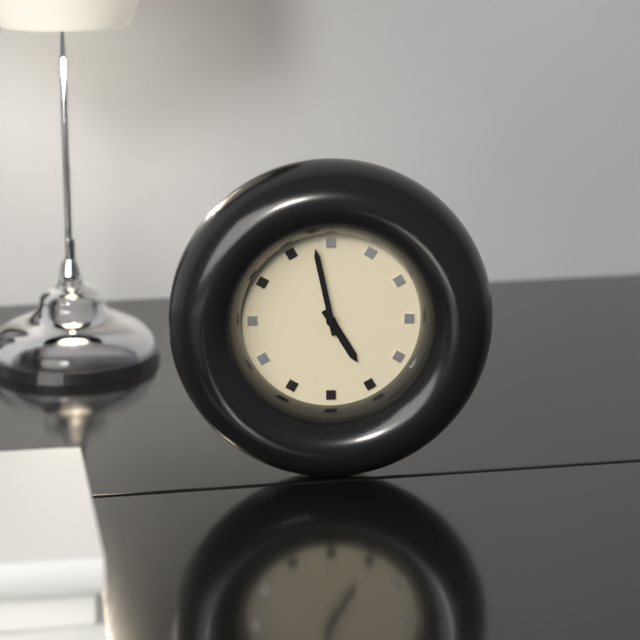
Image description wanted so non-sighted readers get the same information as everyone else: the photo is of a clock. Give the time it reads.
4:58
